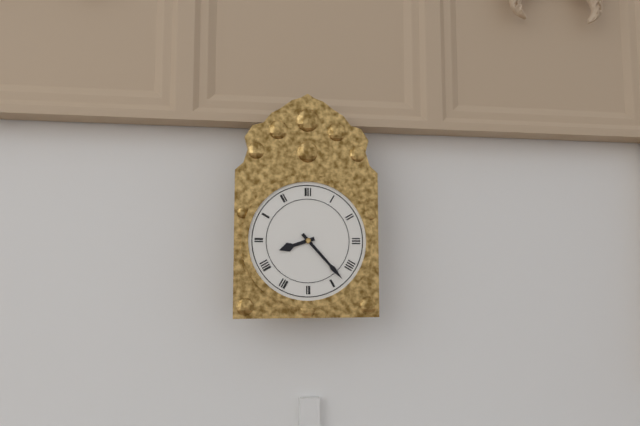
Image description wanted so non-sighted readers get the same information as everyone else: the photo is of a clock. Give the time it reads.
8:23
